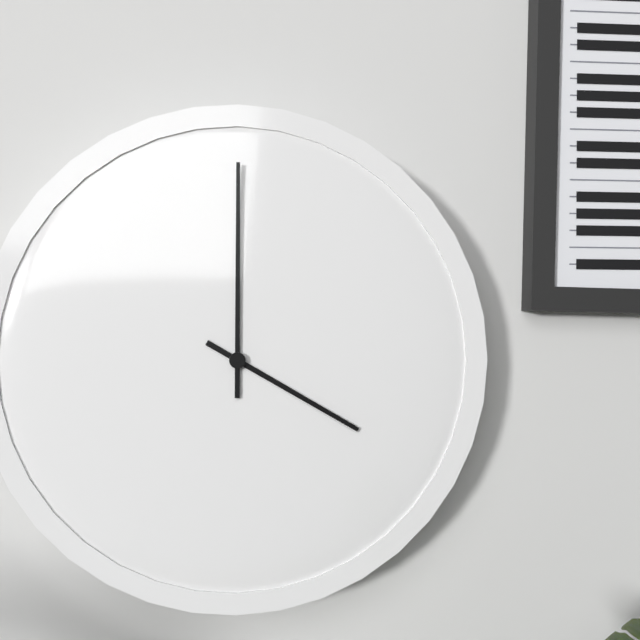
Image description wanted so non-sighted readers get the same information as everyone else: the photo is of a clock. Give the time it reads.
4:00
